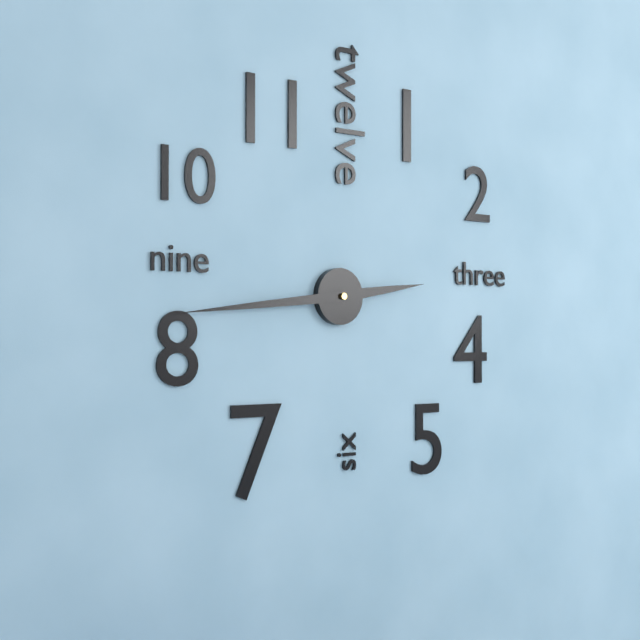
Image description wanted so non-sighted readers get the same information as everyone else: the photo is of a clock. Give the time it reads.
2:44
